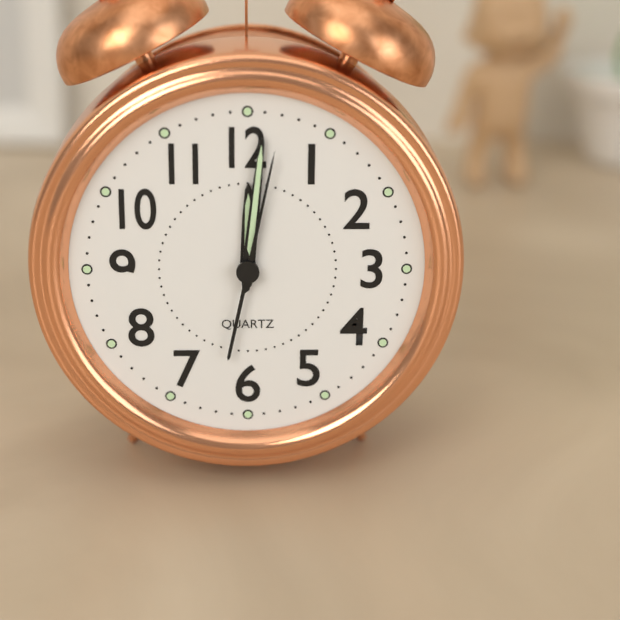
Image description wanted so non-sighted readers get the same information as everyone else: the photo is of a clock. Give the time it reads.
12:01:02
